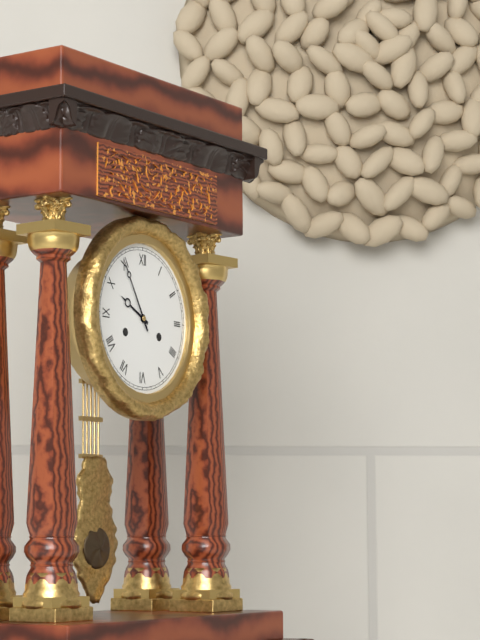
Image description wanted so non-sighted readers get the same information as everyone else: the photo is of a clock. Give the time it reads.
9:55
